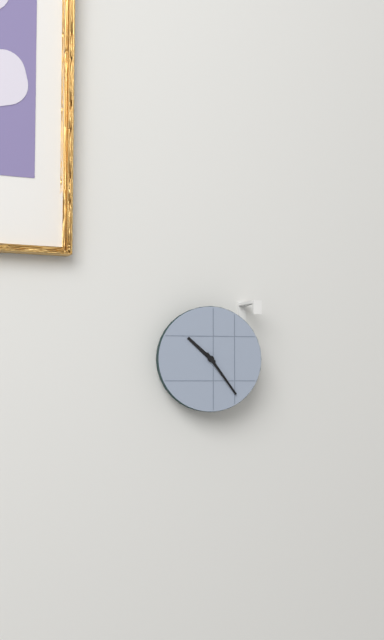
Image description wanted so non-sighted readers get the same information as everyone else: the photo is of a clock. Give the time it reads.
10:24
